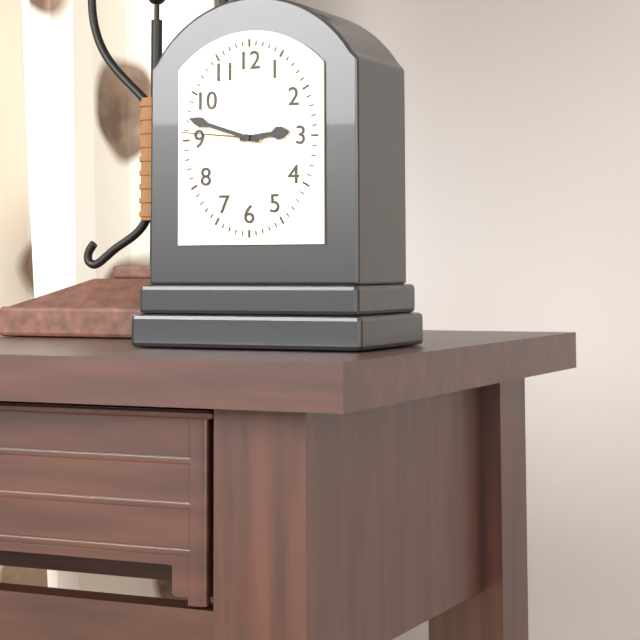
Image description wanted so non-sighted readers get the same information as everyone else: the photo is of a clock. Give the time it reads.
2:48:46
